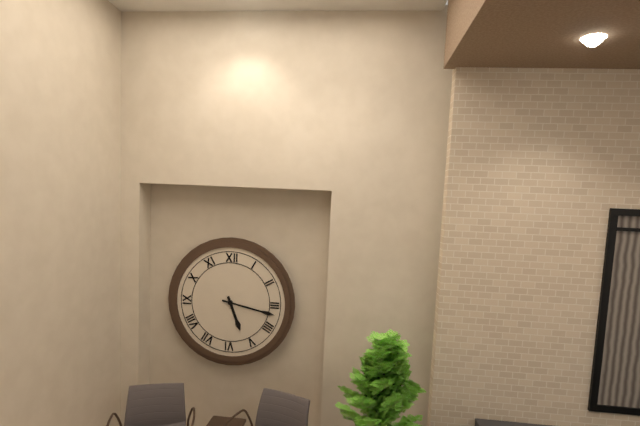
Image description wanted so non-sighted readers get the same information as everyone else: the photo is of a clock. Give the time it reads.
5:17
